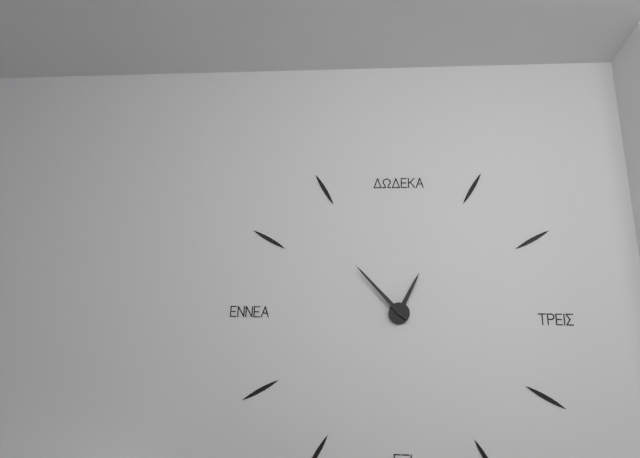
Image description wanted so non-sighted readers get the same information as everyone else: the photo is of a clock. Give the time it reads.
12:53
